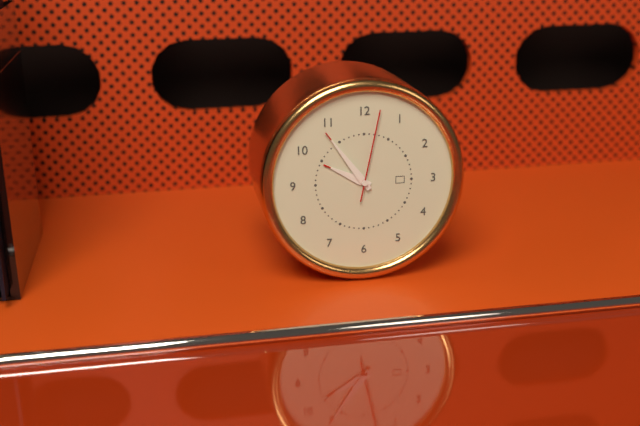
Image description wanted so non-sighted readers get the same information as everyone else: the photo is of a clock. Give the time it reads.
9:54:02
